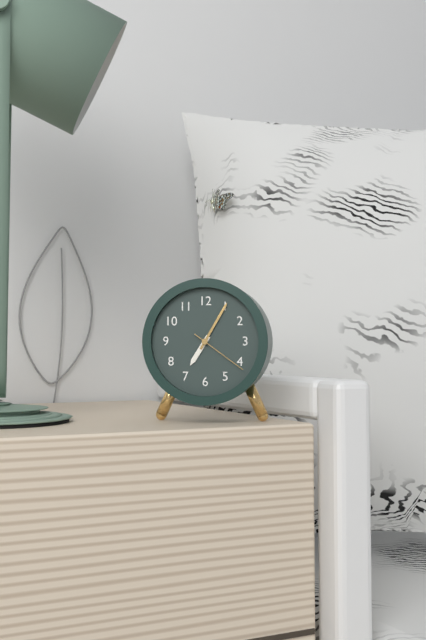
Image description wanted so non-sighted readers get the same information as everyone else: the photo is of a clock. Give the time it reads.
7:05:21
